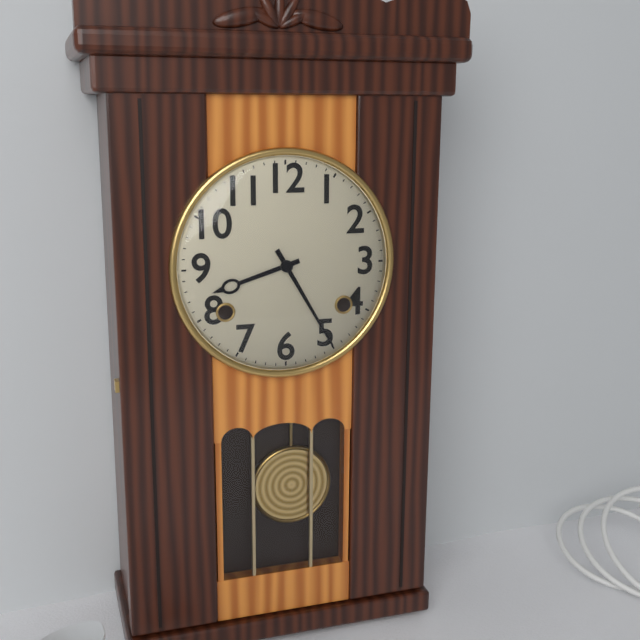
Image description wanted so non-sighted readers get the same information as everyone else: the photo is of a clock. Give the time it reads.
8:25
